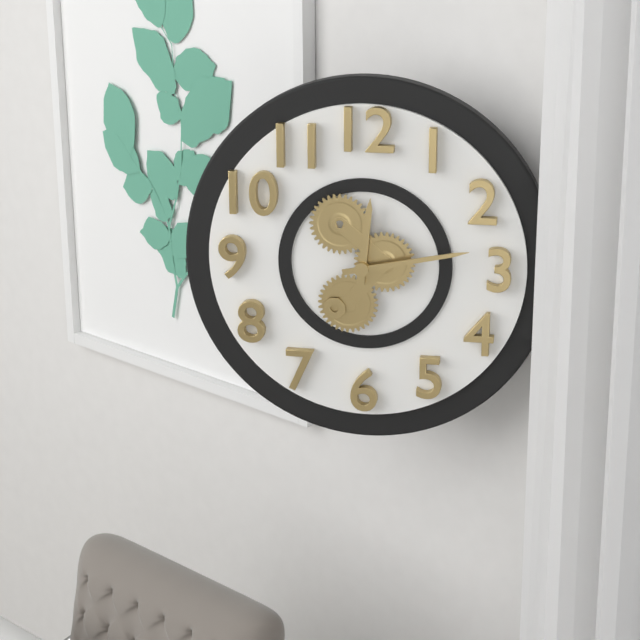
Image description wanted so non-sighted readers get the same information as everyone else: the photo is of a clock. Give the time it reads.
12:13
